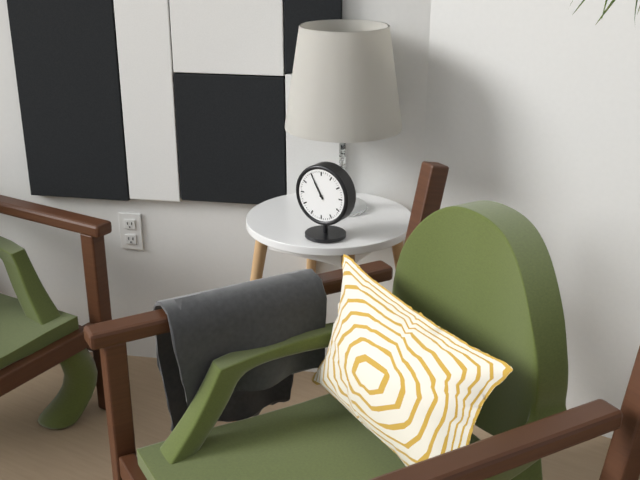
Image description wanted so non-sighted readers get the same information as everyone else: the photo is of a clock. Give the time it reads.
10:55
